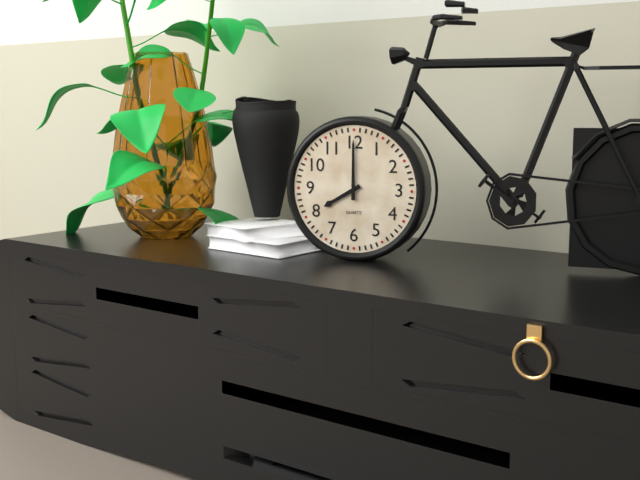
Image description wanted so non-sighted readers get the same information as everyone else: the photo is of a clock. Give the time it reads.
8:00
